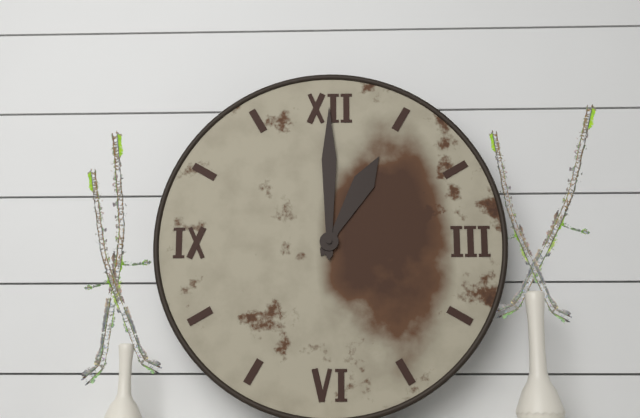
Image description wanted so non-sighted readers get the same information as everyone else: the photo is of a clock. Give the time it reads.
1:00
